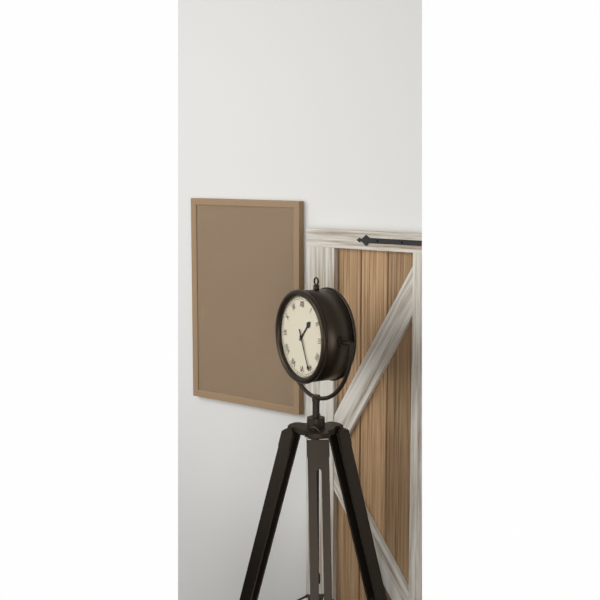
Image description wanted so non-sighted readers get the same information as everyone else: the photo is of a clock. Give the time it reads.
1:26
